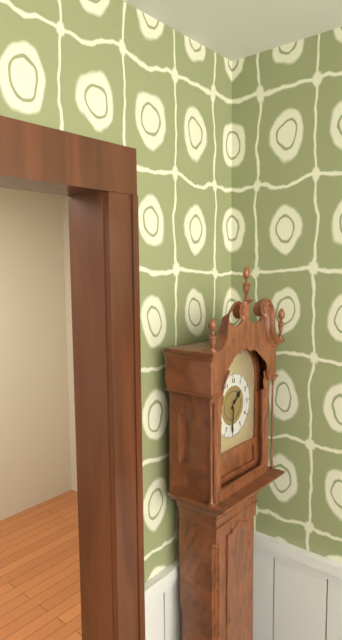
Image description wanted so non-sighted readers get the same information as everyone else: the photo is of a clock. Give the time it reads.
1:31
